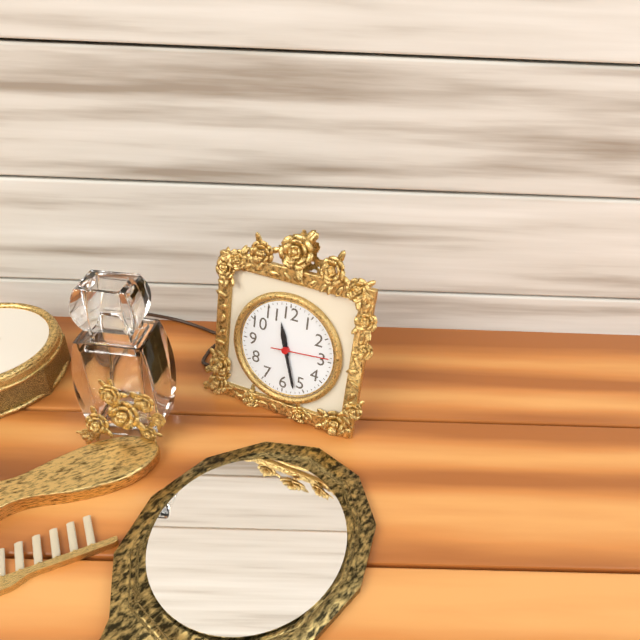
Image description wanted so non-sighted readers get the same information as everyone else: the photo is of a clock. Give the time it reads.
11:27:14
